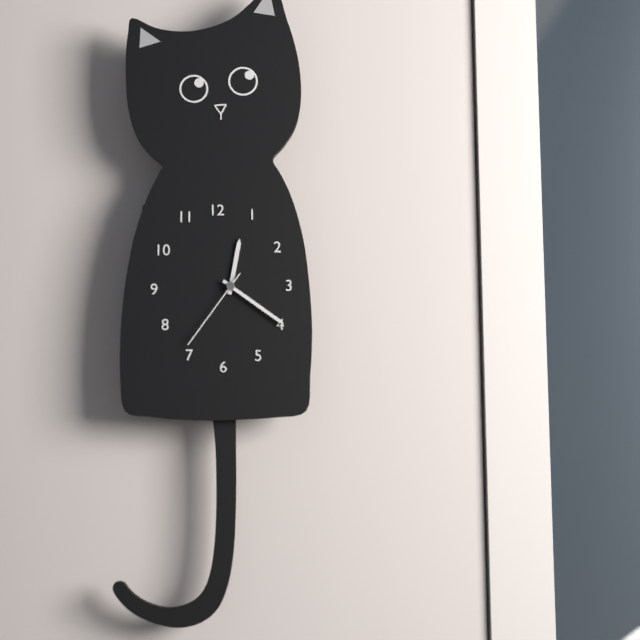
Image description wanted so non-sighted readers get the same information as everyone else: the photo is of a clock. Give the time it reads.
12:21:36
